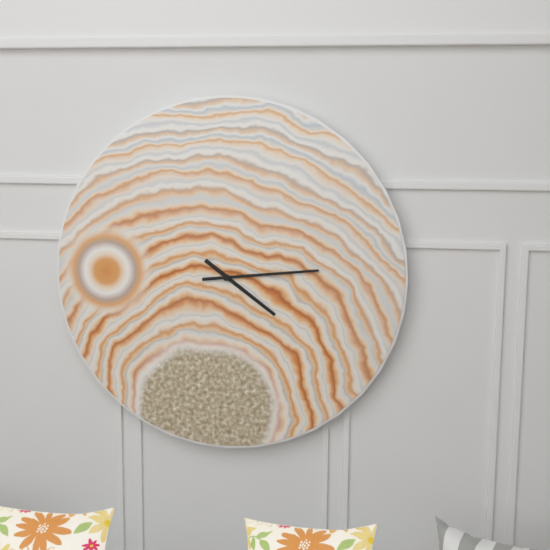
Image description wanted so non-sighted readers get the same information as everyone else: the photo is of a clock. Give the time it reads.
4:14
